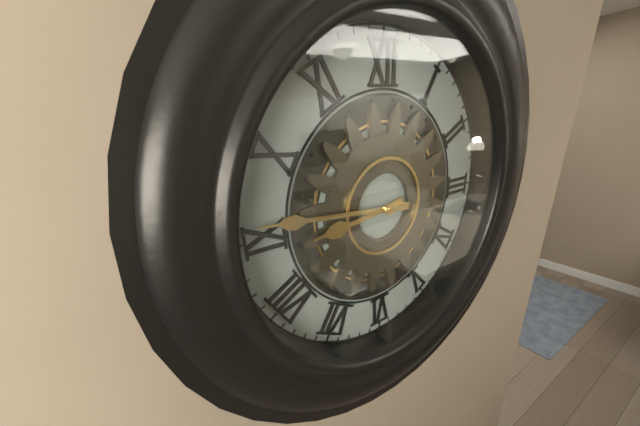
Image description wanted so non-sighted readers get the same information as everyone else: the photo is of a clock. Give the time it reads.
8:46
